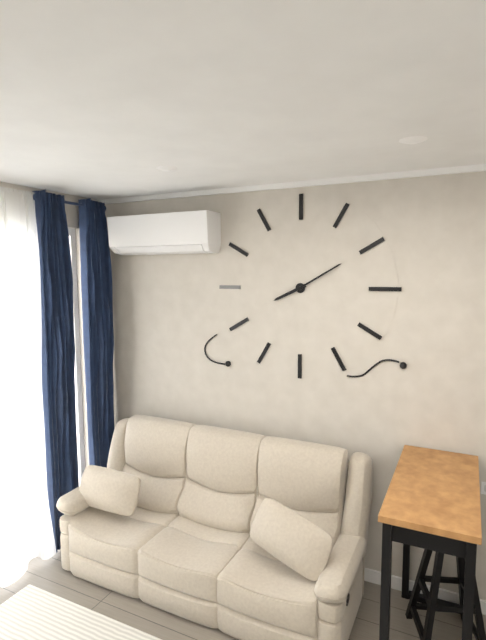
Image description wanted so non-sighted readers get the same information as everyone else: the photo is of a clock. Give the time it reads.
8:10
